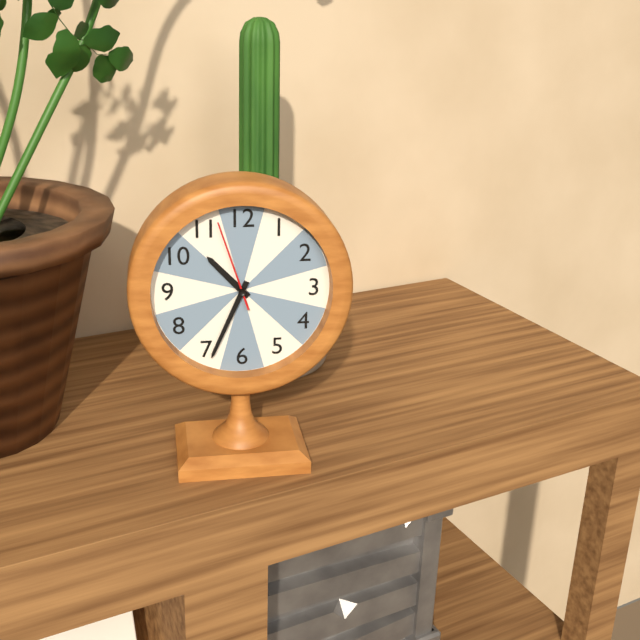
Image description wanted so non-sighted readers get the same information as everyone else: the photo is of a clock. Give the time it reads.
10:34:57
